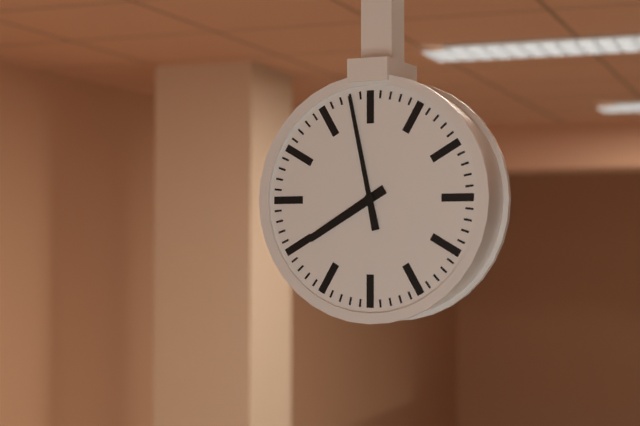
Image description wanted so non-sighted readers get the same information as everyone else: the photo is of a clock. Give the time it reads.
7:58
